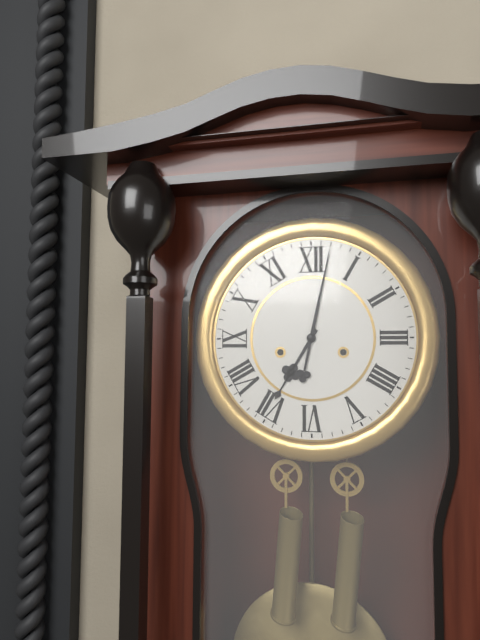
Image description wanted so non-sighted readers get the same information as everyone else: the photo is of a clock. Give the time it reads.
7:02
